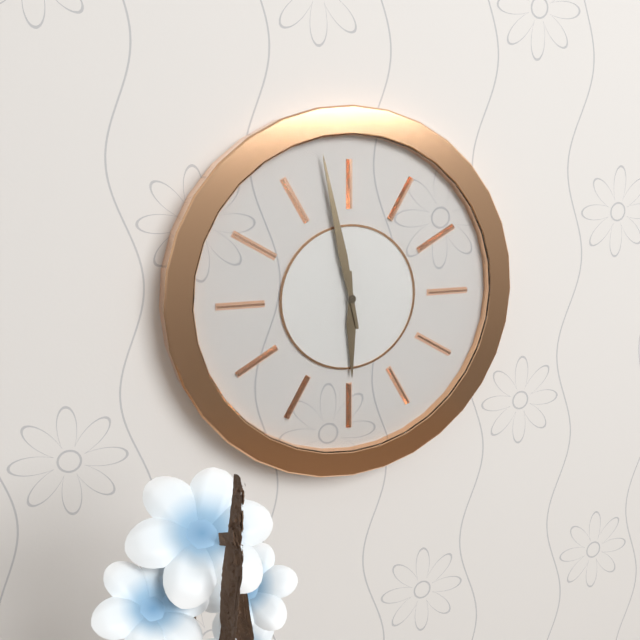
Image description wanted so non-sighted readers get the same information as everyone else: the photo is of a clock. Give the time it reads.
5:58
